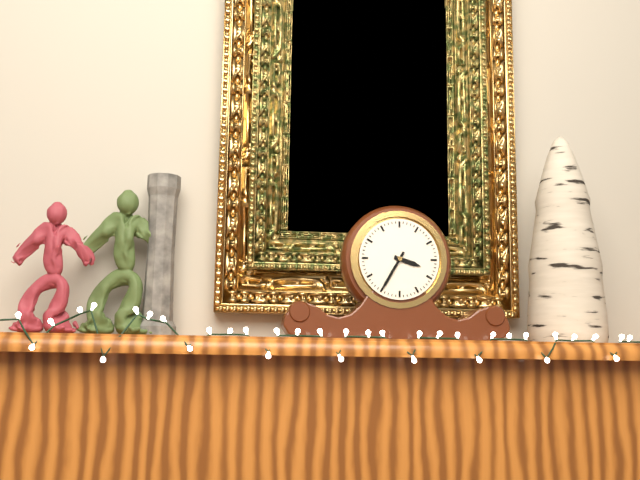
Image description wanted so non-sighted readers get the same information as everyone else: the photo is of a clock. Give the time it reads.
3:35
